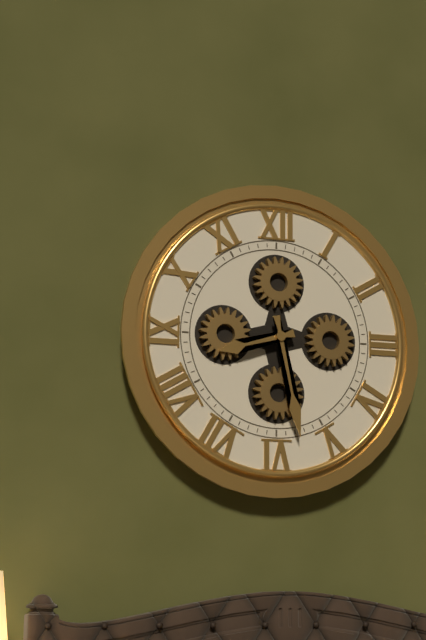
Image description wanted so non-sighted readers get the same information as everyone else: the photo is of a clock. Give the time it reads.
8:28
